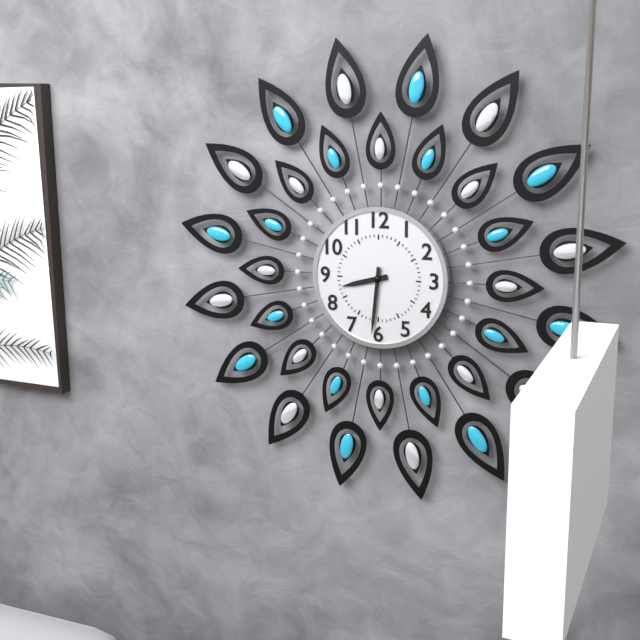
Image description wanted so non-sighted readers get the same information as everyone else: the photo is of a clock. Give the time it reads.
8:31
